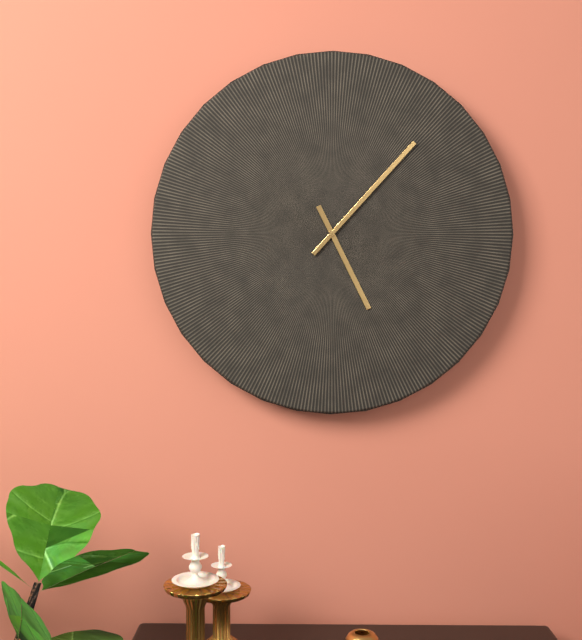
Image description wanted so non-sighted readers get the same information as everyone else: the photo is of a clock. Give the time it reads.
5:07
